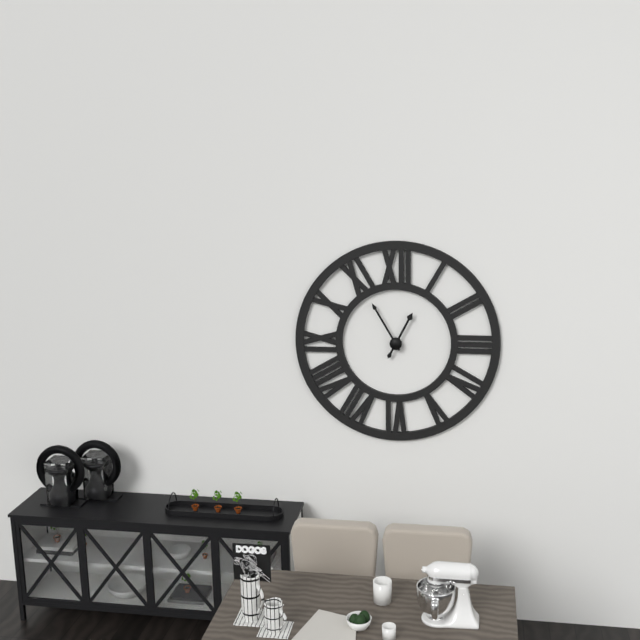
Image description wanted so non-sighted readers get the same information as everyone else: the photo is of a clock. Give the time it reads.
12:55
